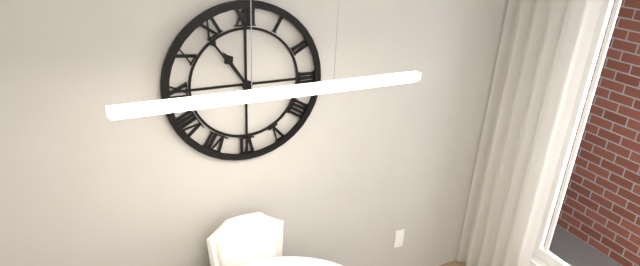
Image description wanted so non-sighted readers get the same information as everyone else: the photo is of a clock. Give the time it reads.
10:54
